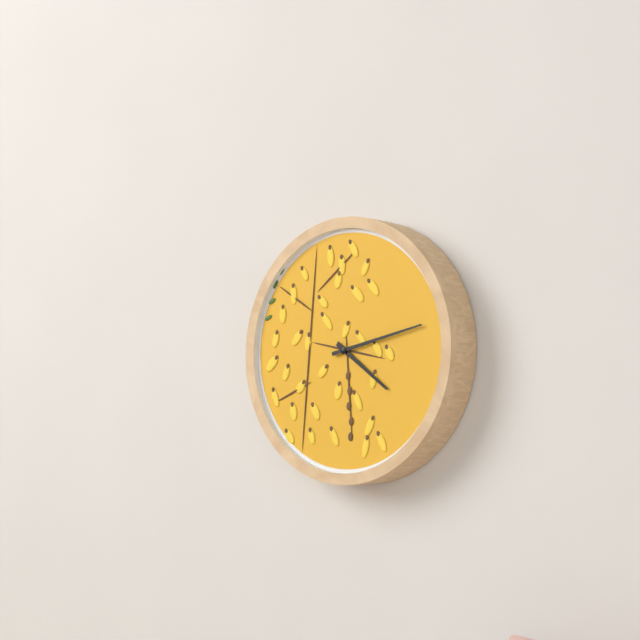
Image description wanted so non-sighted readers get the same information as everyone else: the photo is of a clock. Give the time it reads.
4:13
